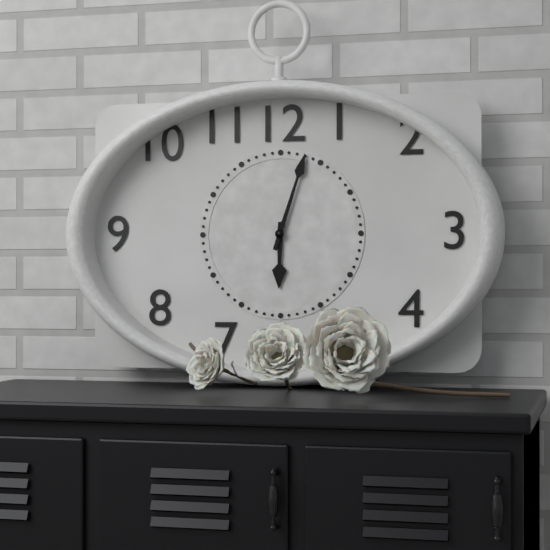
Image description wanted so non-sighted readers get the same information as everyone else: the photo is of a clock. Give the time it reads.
6:03
